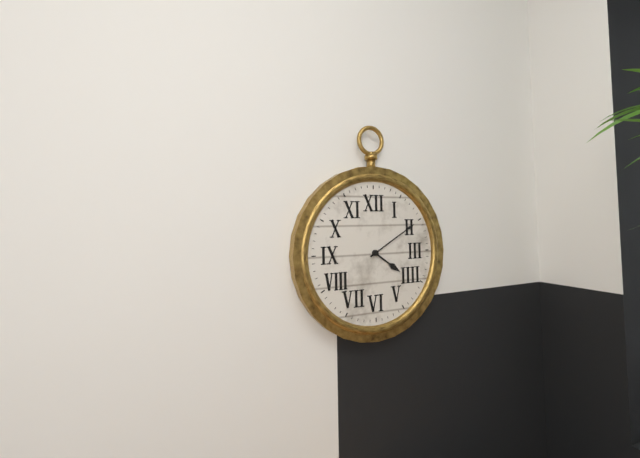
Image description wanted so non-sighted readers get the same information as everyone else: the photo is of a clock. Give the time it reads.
4:10
